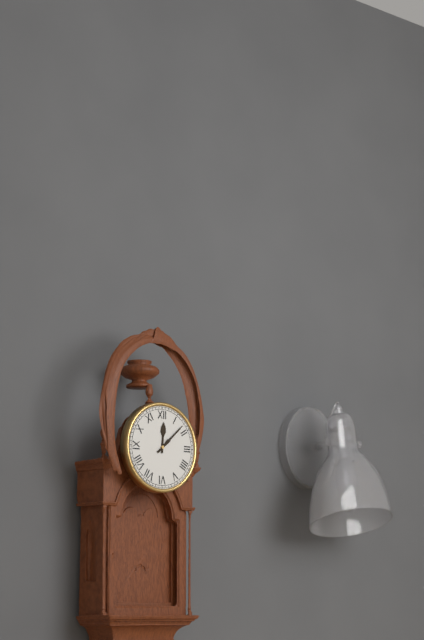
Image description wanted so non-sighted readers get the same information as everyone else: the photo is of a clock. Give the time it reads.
12:08
